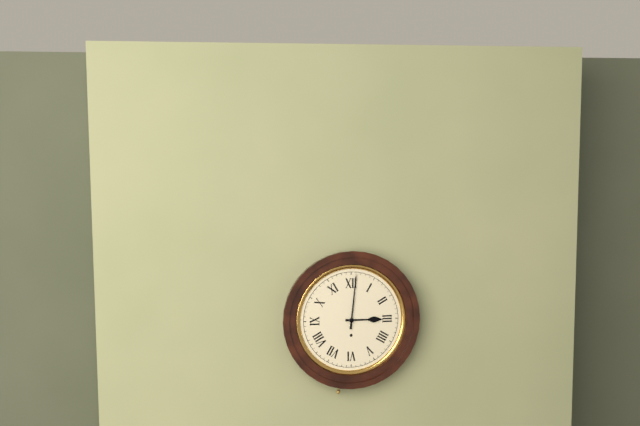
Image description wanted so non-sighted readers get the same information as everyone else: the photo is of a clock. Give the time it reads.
3:01
